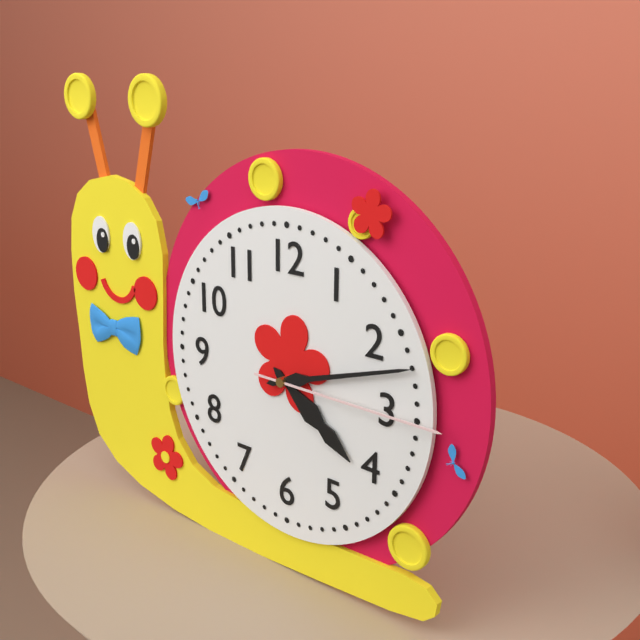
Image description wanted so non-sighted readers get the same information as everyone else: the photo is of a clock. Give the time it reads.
4:12:15
